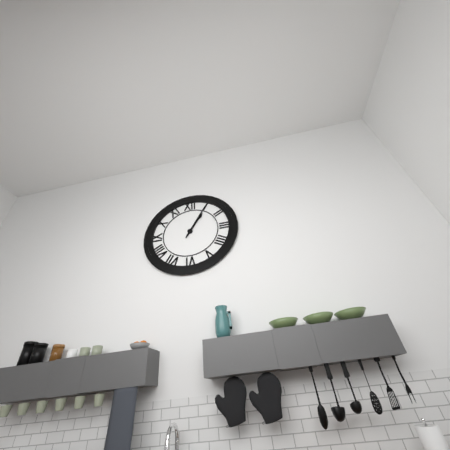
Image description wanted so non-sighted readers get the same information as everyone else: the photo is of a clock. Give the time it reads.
1:05
